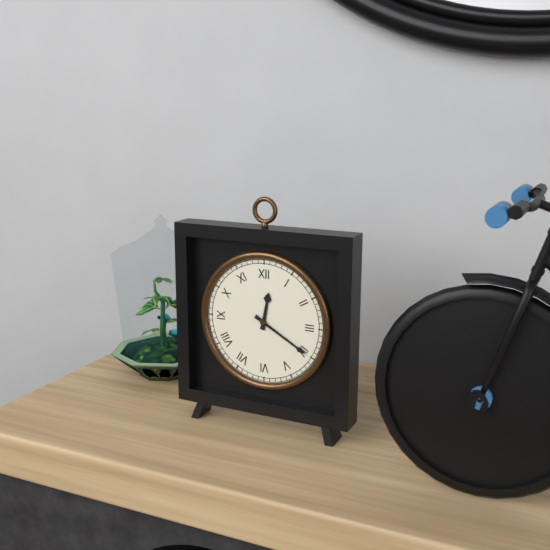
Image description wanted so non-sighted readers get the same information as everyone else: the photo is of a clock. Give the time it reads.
12:20
